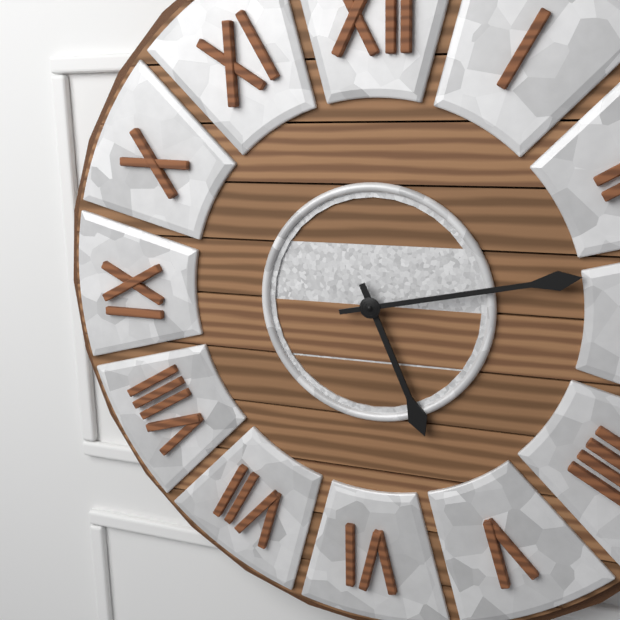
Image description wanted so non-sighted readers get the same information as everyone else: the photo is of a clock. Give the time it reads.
5:13
